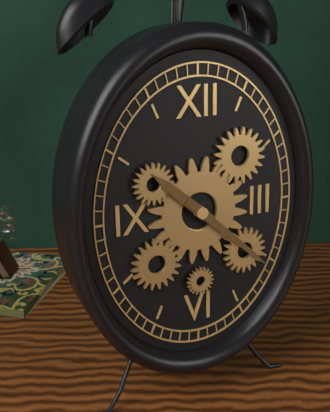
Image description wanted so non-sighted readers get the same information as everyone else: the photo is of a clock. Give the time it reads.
10:22
